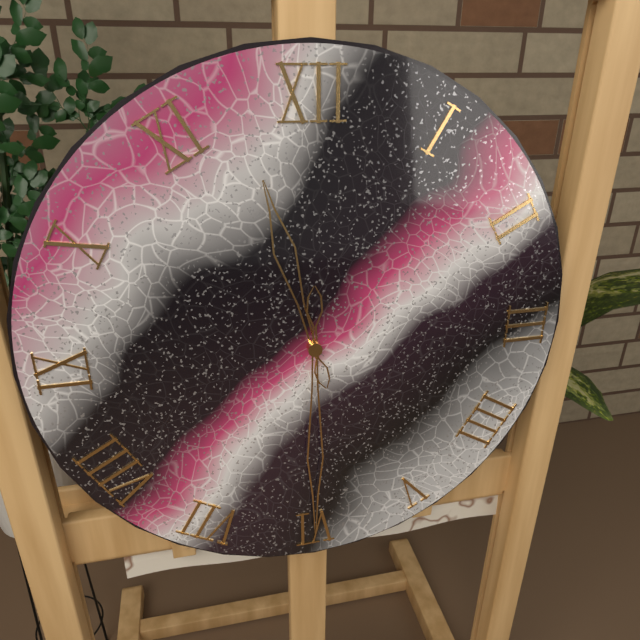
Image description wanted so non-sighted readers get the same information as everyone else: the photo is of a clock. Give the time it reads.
11:30
